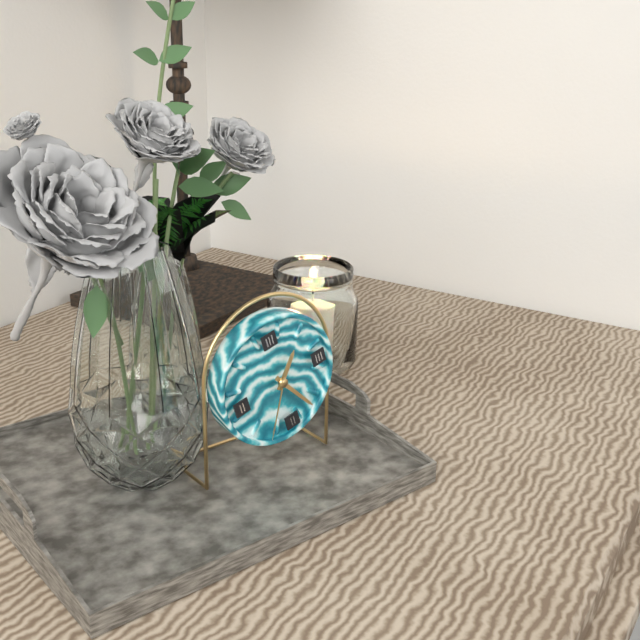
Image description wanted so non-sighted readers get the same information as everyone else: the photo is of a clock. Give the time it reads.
1:25:35
